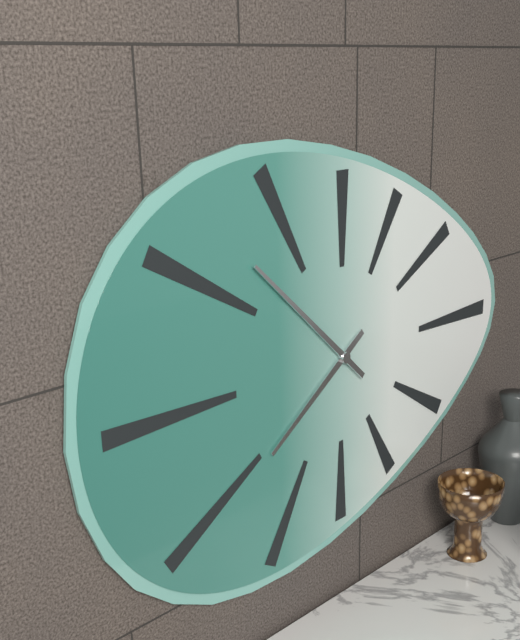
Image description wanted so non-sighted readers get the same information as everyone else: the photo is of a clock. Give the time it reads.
7:52
